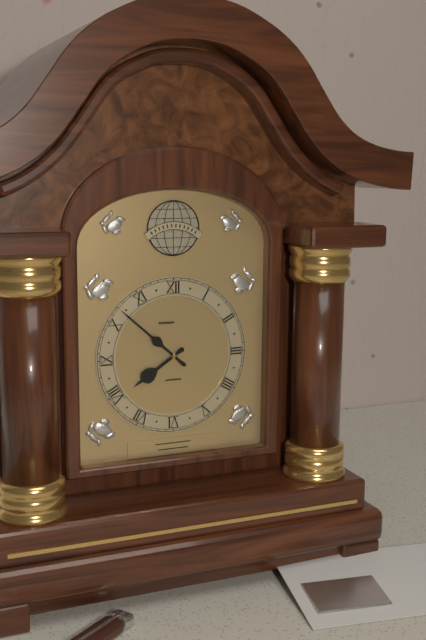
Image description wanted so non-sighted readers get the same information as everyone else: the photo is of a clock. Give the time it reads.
7:52
